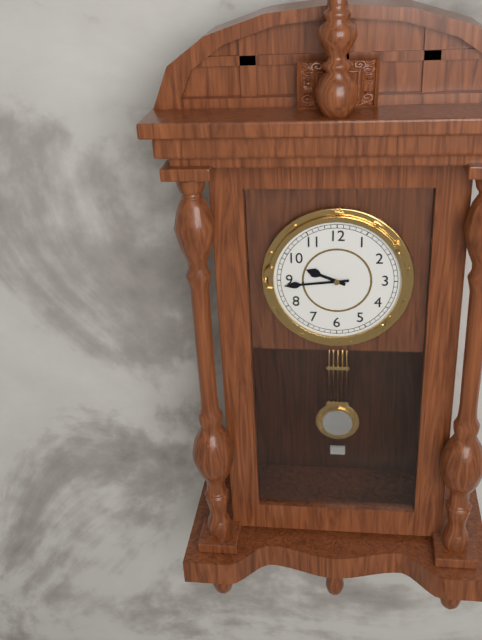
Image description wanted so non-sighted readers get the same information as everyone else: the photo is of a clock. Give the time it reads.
9:44
